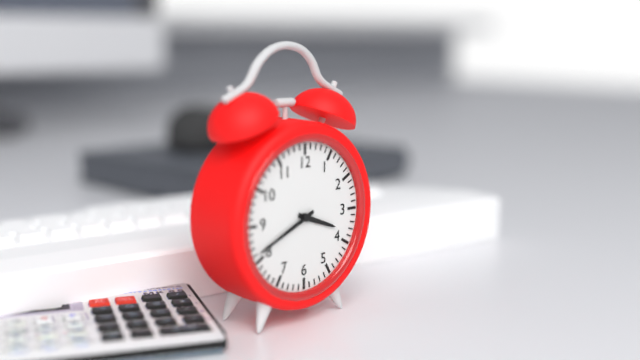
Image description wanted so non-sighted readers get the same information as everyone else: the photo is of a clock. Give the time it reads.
3:41
